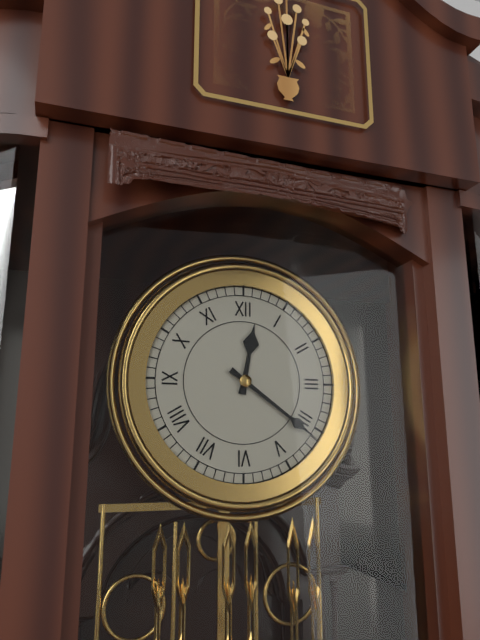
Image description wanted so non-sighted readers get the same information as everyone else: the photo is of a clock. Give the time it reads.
12:21
